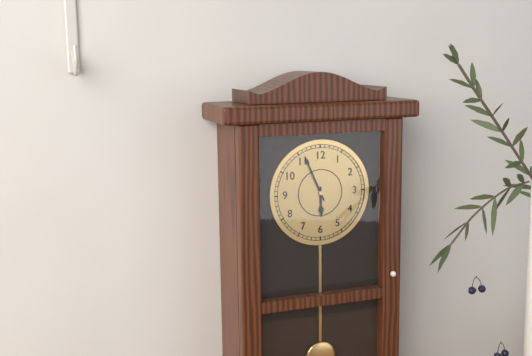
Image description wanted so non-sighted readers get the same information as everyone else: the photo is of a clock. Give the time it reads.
5:56
